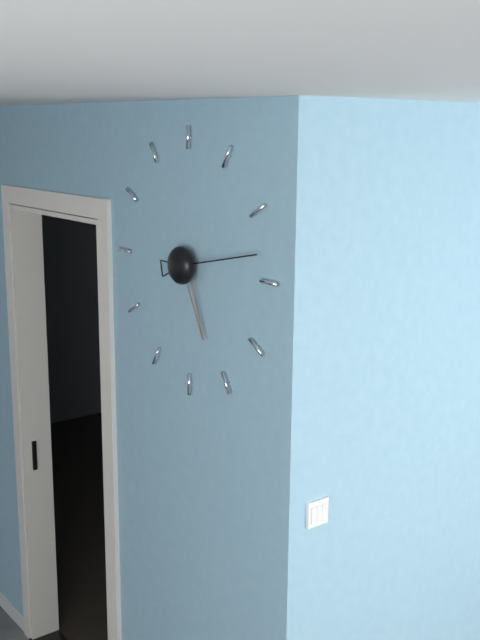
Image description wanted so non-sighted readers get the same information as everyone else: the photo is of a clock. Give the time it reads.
5:13
